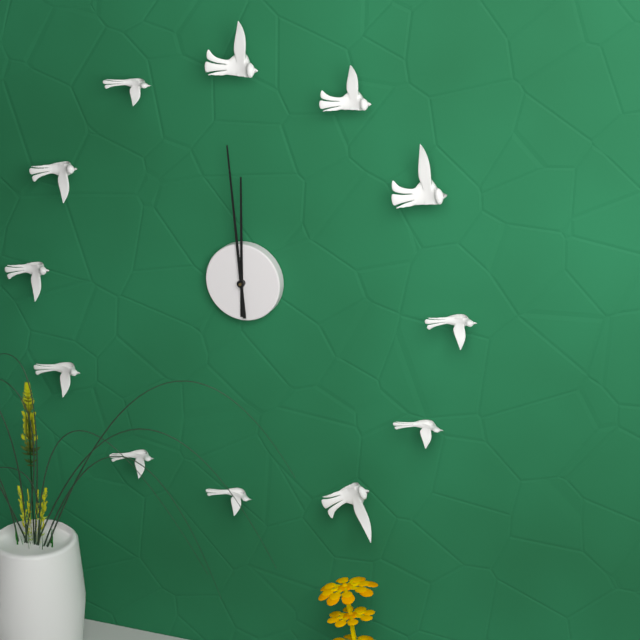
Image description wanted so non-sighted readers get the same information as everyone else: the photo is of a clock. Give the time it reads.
11:59
